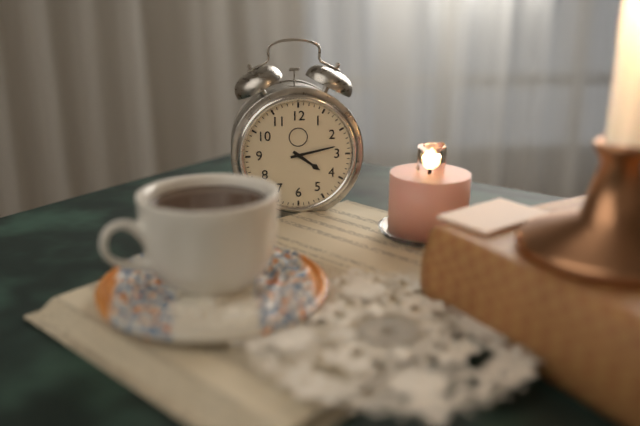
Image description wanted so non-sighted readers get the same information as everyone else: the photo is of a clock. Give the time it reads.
4:13
